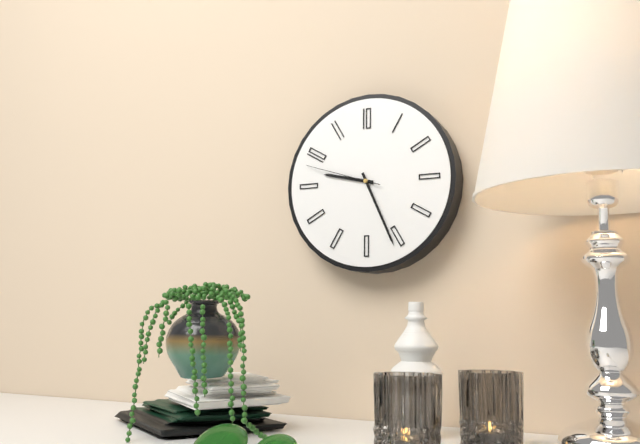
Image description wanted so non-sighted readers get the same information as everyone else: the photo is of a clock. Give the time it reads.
9:26:48
